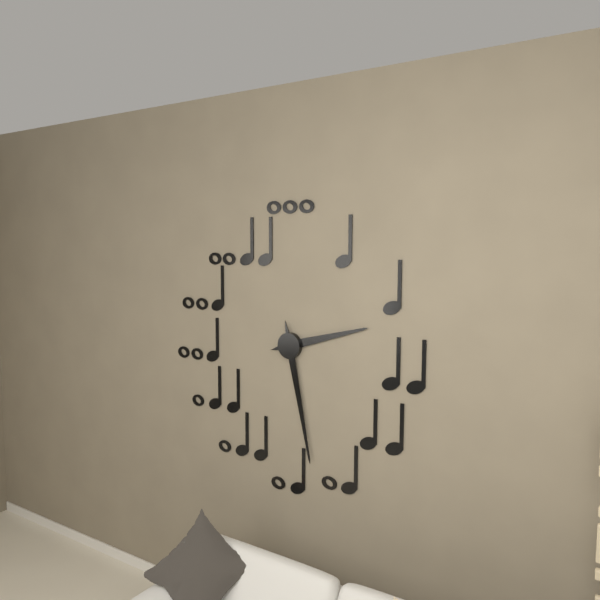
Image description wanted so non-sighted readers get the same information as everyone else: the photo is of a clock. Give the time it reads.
2:28
